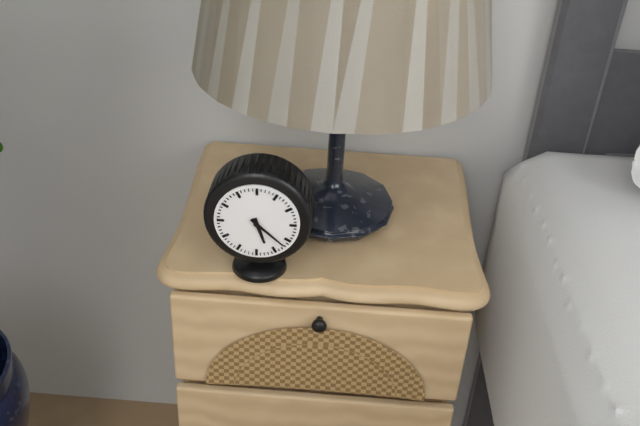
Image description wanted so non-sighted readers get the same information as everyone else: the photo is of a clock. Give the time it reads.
5:22
